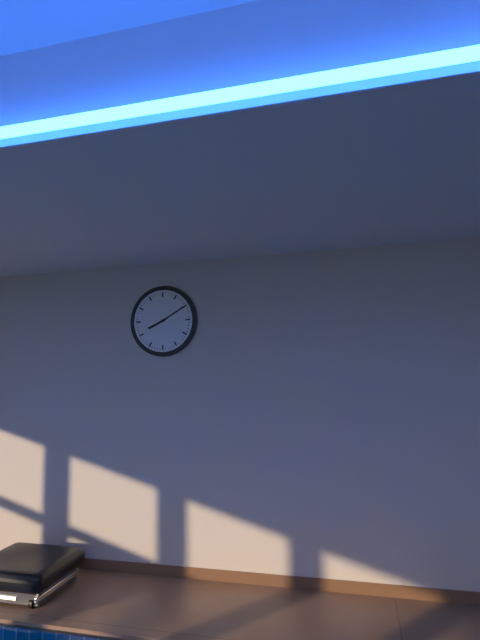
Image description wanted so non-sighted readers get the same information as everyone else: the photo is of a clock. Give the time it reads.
8:10
